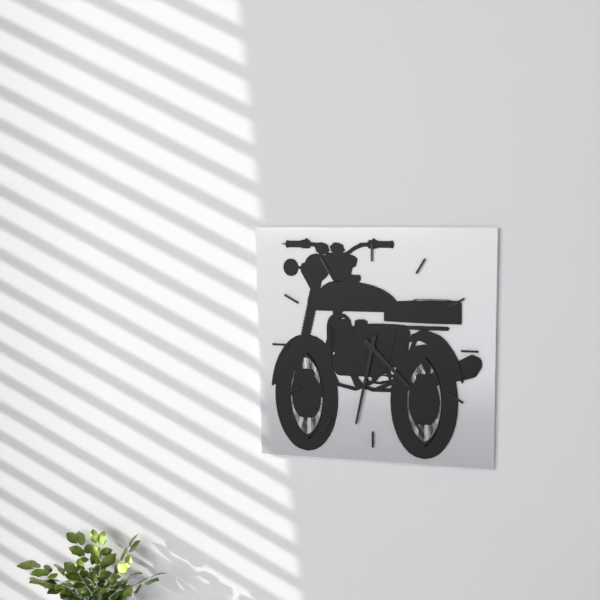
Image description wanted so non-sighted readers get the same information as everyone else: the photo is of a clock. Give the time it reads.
4:32
